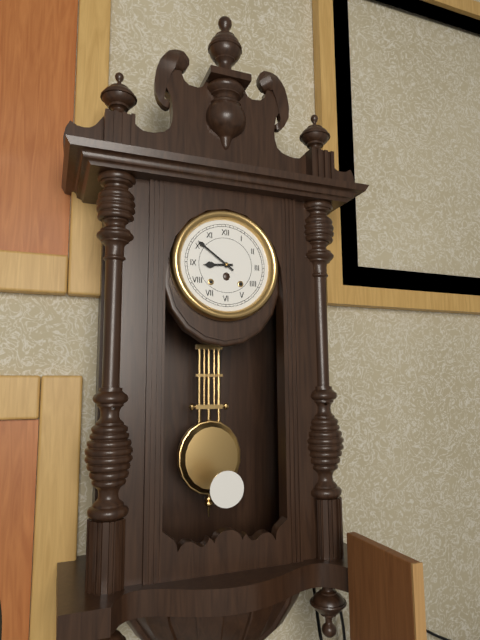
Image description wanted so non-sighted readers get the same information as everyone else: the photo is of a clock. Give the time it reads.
8:51
